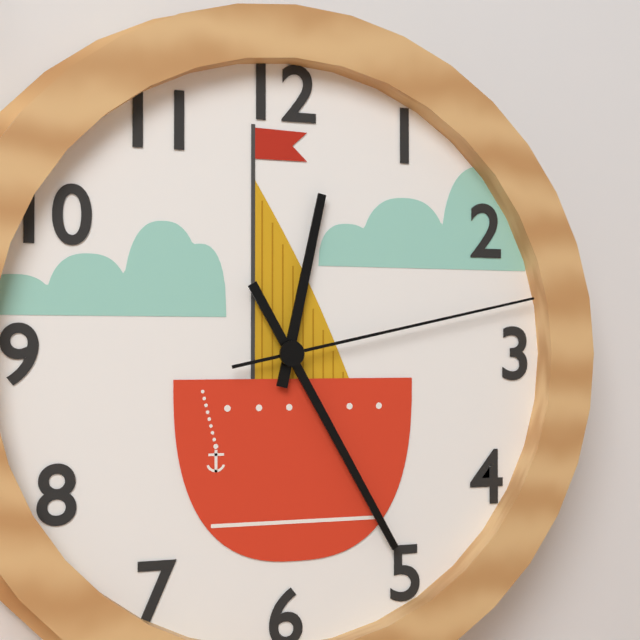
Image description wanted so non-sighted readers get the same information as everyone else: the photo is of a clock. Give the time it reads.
12:25:13
